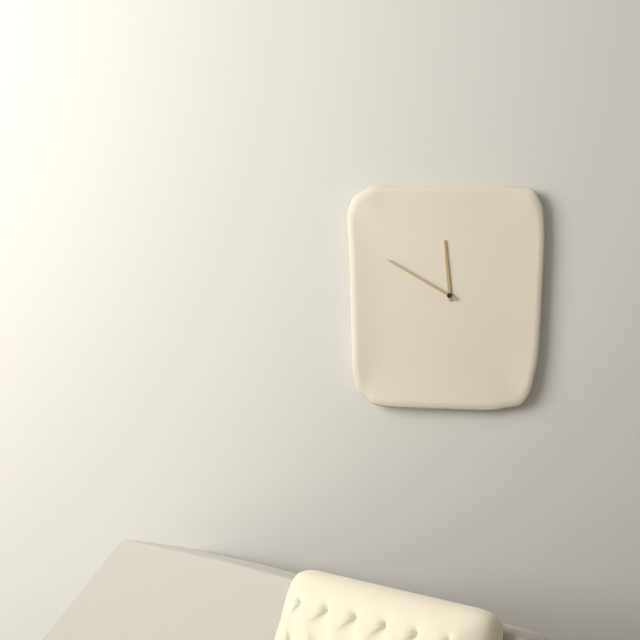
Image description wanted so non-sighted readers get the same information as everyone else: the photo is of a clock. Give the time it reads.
11:50
